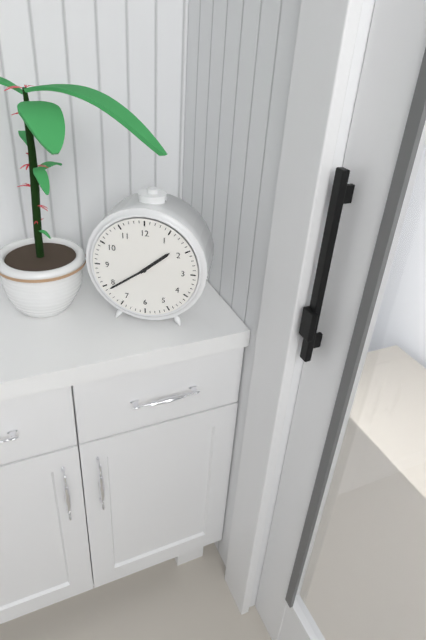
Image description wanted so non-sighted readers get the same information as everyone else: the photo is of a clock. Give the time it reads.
1:39
